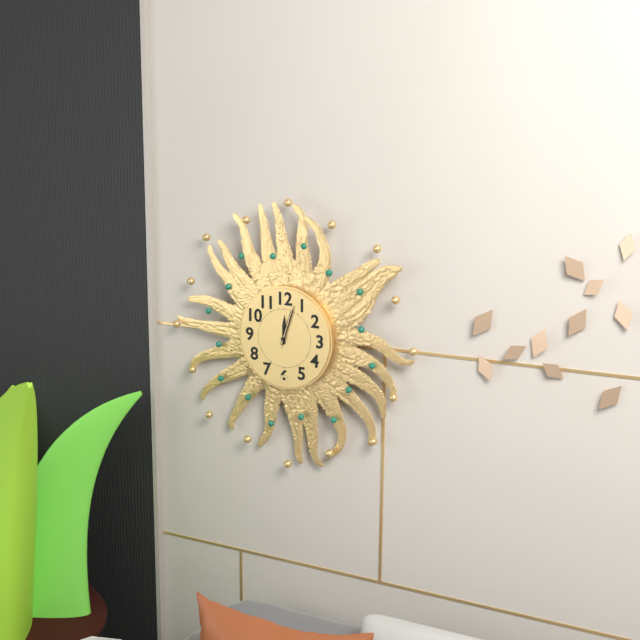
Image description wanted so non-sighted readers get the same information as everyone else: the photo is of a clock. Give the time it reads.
12:03
